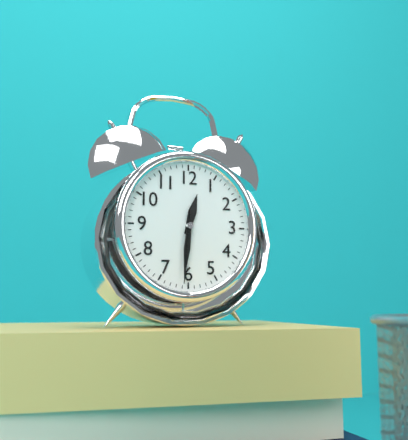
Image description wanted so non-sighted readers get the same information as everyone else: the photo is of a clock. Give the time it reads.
12:31:31
